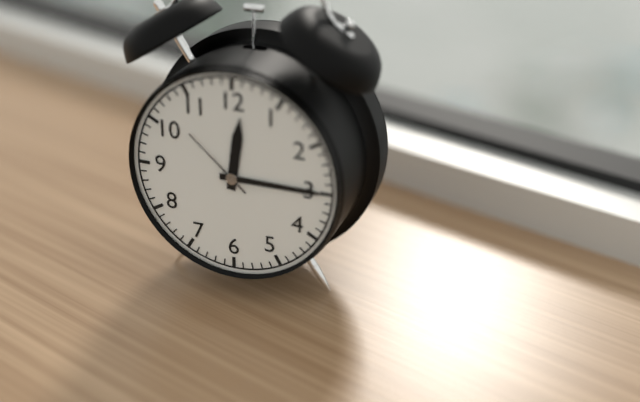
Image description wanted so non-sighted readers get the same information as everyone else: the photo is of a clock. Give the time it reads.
12:15:52
